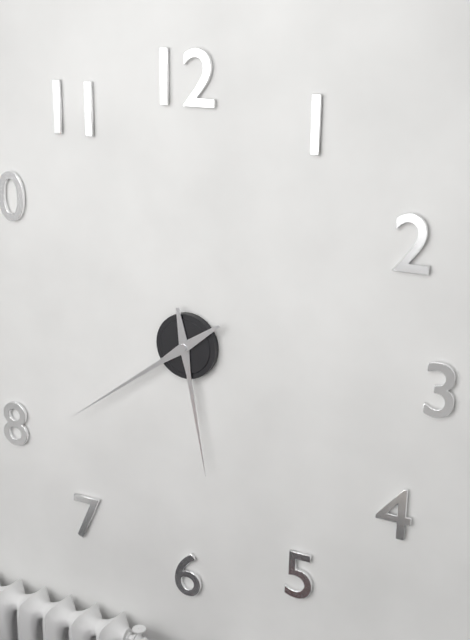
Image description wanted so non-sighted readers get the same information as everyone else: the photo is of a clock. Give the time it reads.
5:39
